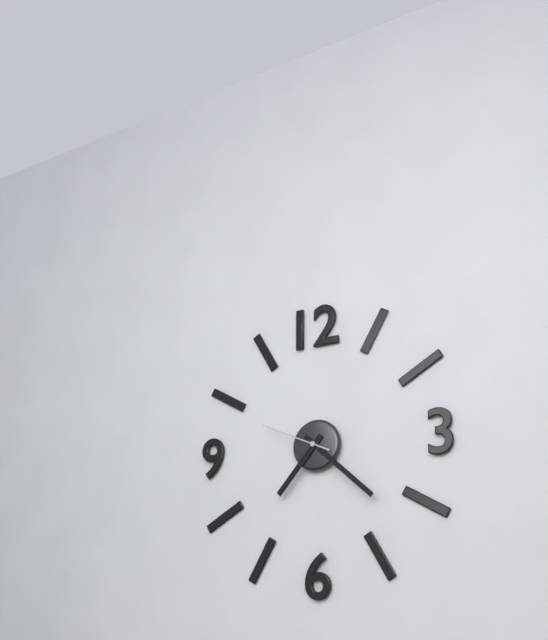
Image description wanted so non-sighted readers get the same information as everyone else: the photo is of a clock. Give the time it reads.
7:22:49
